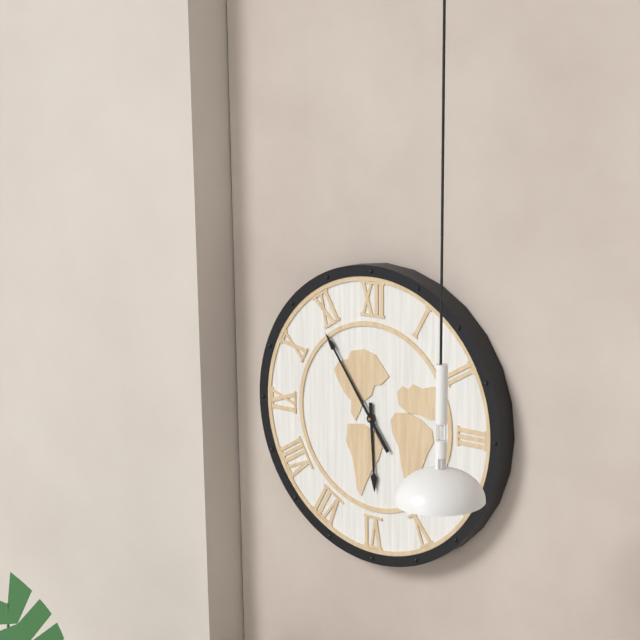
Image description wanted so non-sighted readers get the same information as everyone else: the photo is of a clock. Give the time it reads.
5:54
